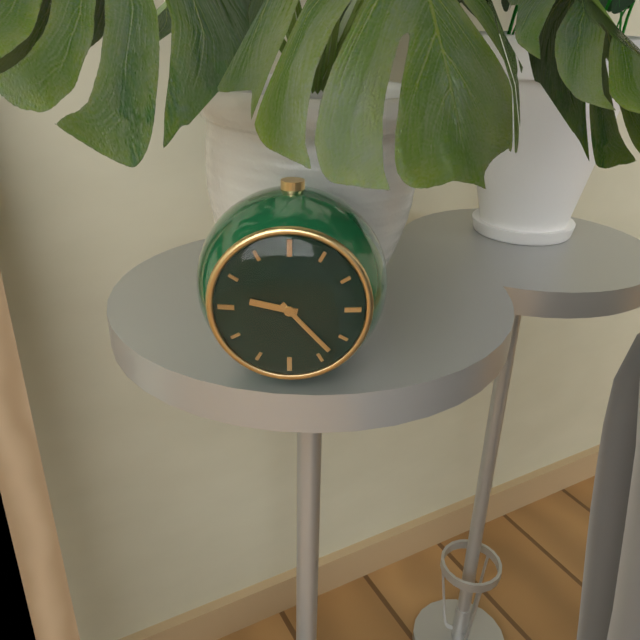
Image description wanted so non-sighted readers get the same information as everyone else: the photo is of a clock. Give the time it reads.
9:23
